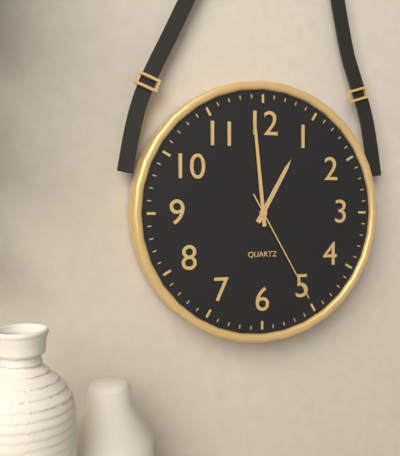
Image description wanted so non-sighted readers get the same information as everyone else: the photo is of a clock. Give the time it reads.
12:59:25
